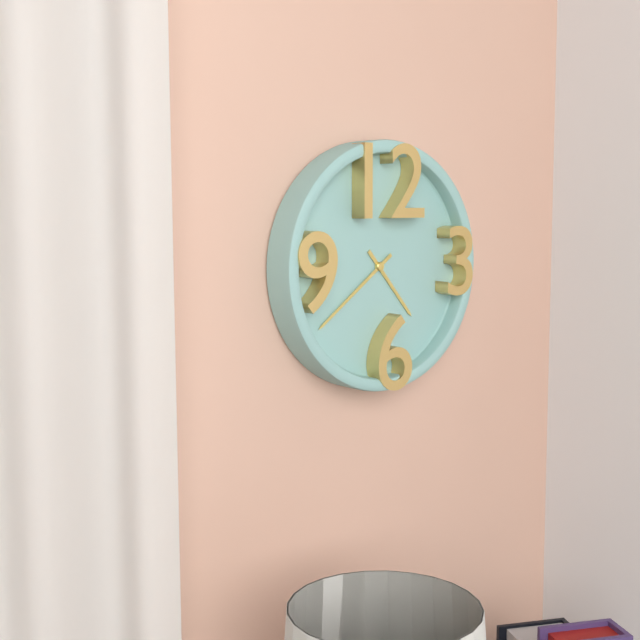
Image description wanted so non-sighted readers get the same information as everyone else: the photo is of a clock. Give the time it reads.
4:39
